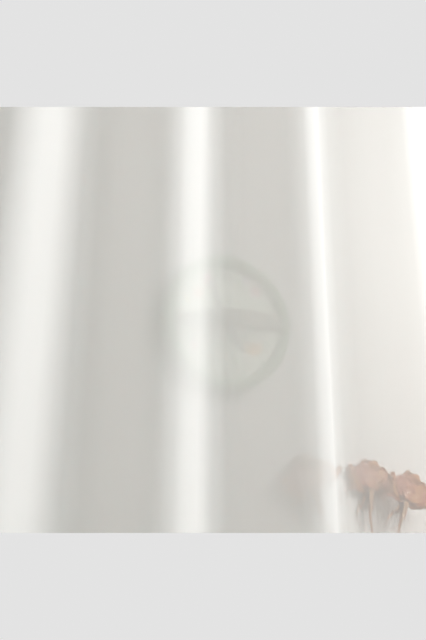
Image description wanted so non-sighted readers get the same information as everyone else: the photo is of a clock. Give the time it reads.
4:56
